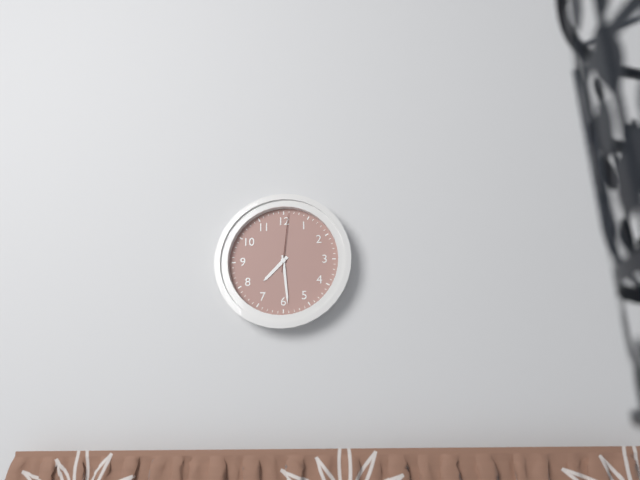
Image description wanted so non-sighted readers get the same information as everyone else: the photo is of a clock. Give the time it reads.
7:29:01
